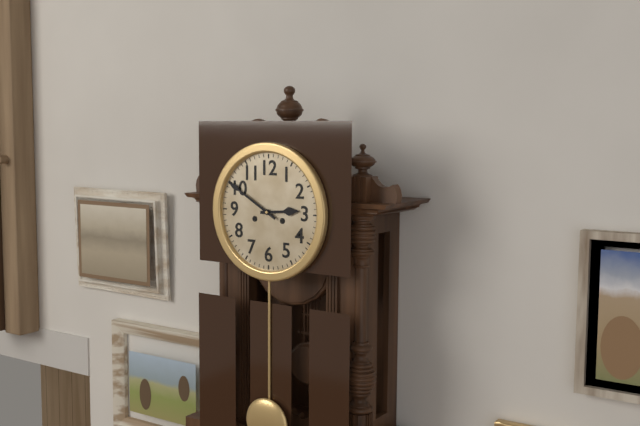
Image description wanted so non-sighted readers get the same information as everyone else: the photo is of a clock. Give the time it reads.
2:50
